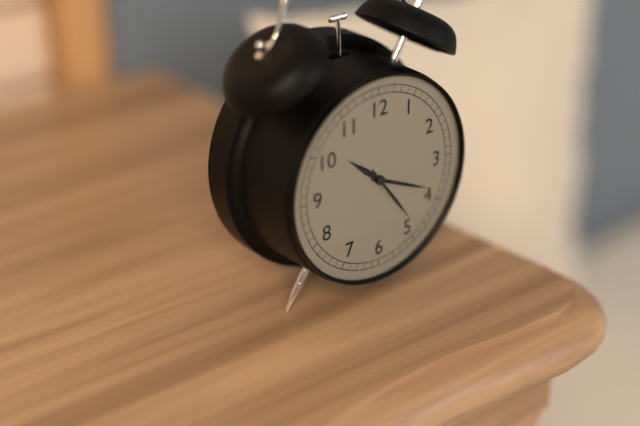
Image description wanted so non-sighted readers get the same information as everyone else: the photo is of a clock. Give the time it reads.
10:19:24
